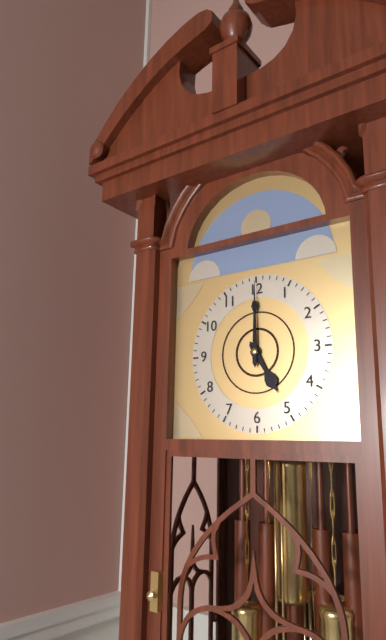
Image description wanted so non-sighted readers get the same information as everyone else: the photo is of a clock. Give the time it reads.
5:00
